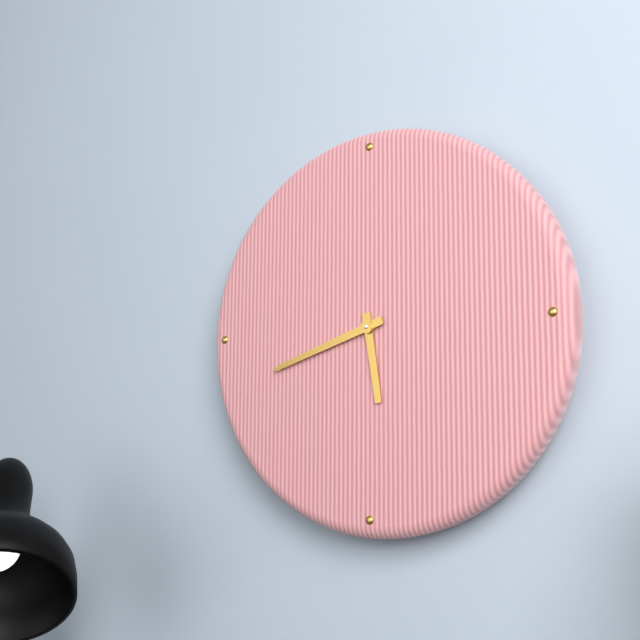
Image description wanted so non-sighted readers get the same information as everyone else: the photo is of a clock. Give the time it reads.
5:42
